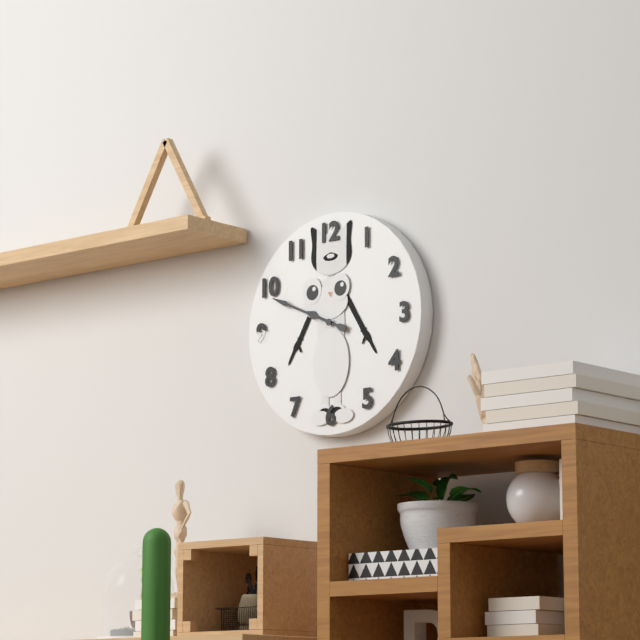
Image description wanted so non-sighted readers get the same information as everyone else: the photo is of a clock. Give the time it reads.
9:49
